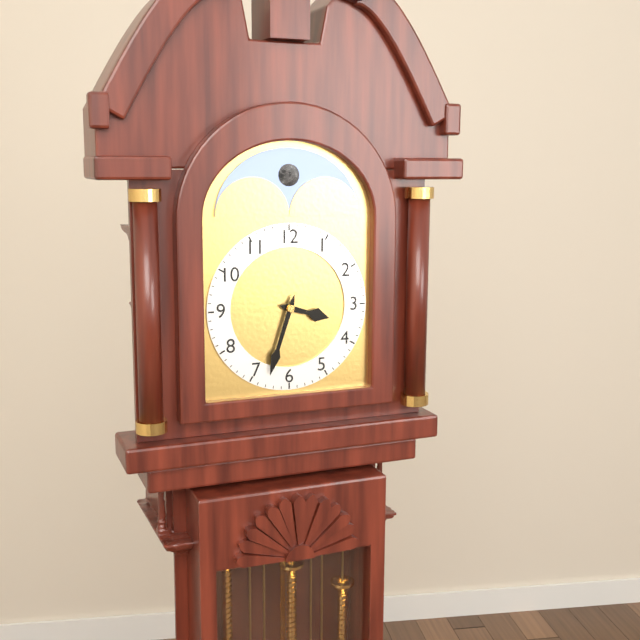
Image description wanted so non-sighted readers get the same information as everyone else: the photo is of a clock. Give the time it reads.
3:33
